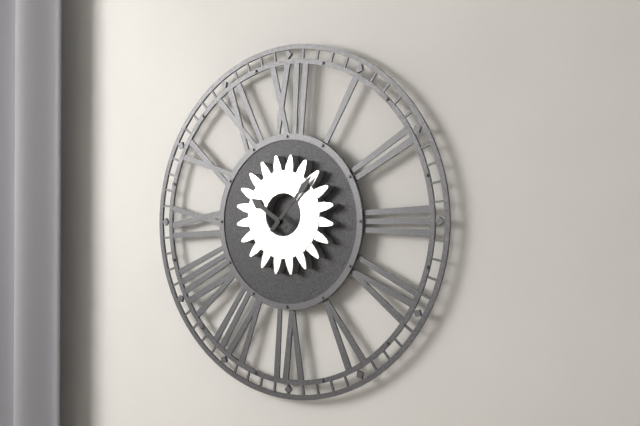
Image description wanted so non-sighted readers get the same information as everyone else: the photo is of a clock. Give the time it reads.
10:07
